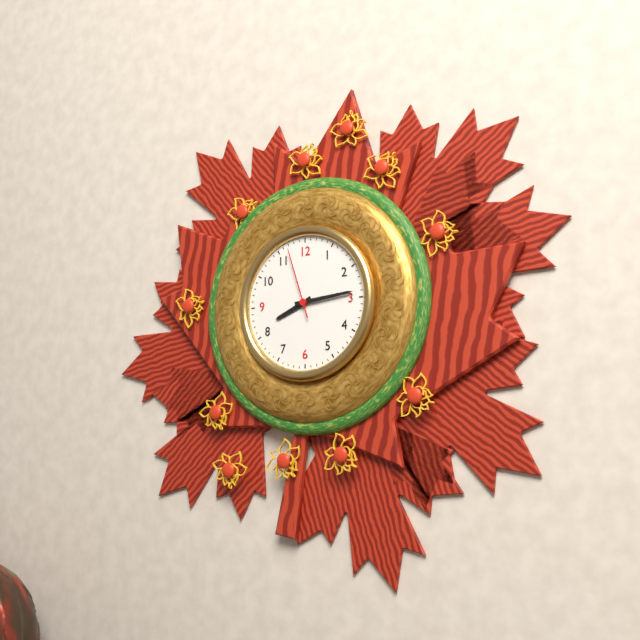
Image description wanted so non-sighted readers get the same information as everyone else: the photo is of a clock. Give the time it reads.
8:14:57
